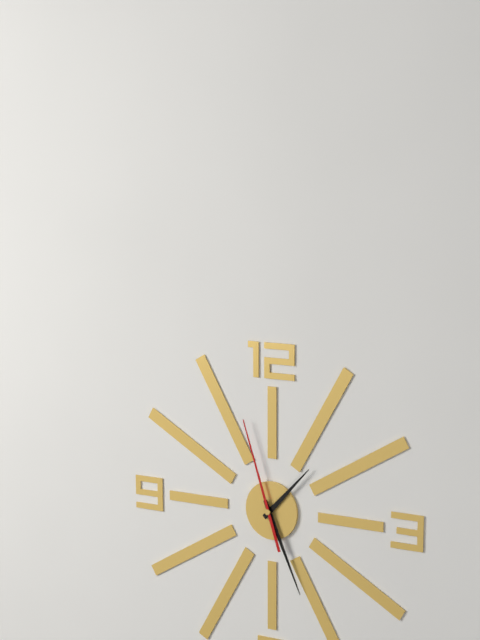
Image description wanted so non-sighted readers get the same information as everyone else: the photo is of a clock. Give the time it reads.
1:26:57
